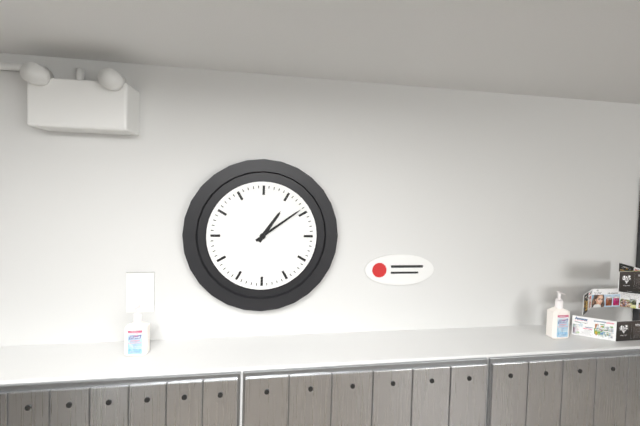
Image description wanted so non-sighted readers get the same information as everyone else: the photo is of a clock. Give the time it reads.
1:09
